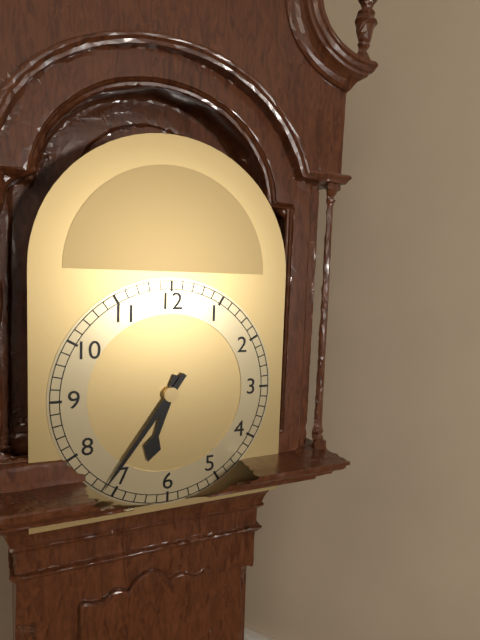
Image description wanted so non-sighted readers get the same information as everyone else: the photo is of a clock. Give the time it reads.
6:36
